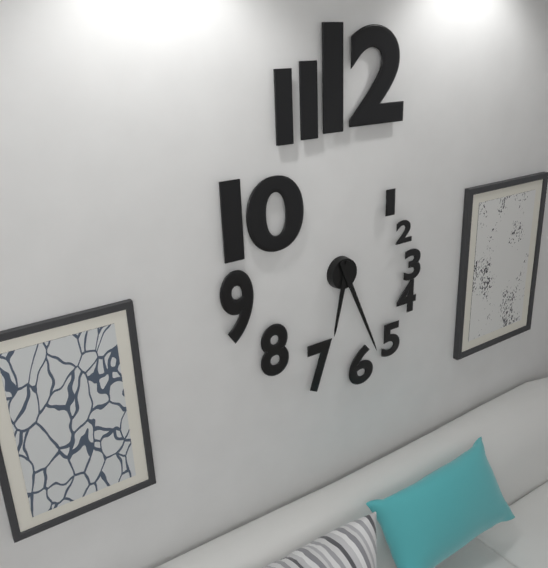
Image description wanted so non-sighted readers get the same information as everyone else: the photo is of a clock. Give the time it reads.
6:26
